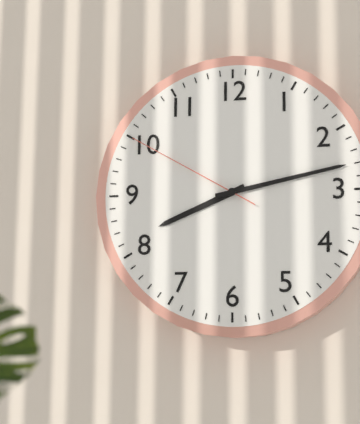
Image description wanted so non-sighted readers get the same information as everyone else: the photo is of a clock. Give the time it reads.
8:13:50
